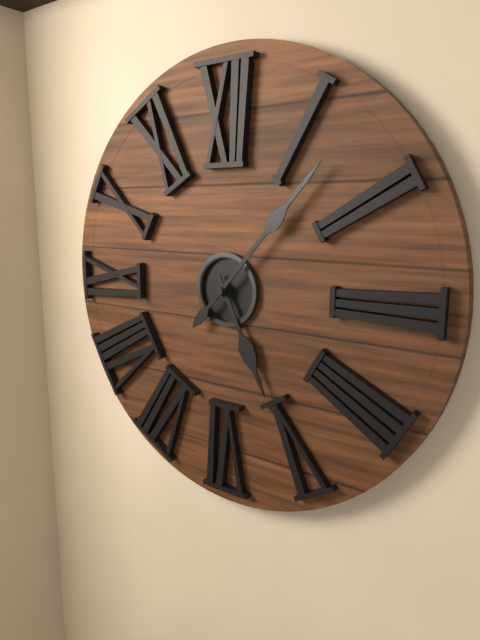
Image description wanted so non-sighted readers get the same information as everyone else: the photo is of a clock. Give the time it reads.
5:07
